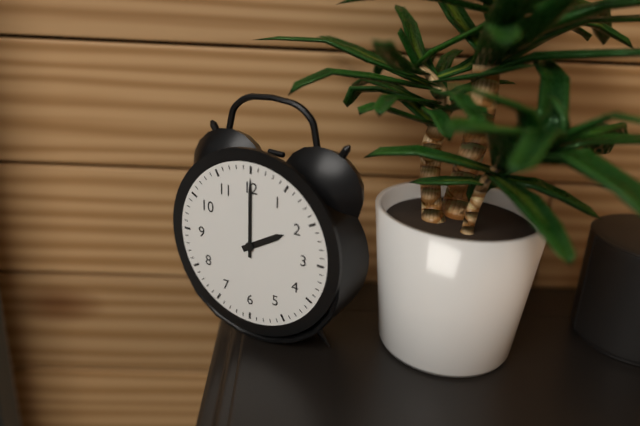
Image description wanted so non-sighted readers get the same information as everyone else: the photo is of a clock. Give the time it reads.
2:00
